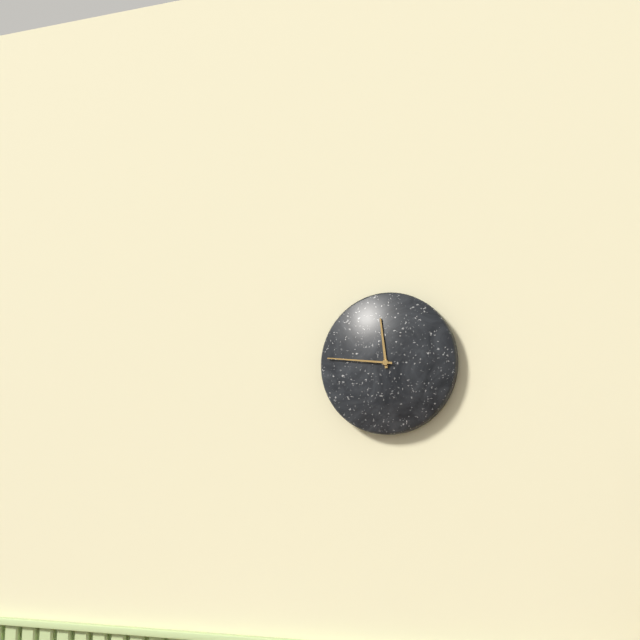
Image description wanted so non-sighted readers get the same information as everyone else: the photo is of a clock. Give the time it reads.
11:46
